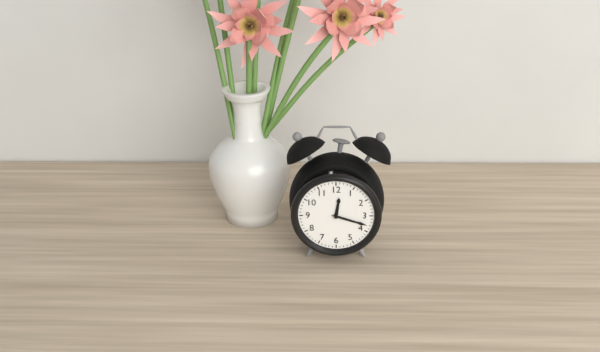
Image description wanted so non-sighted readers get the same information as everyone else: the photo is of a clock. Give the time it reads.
12:18
